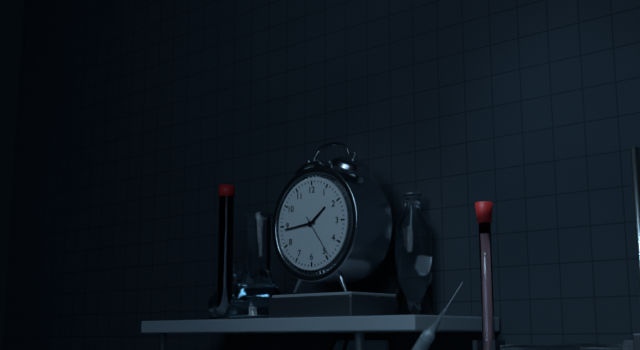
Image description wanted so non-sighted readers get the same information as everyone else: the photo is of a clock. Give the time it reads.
1:44
